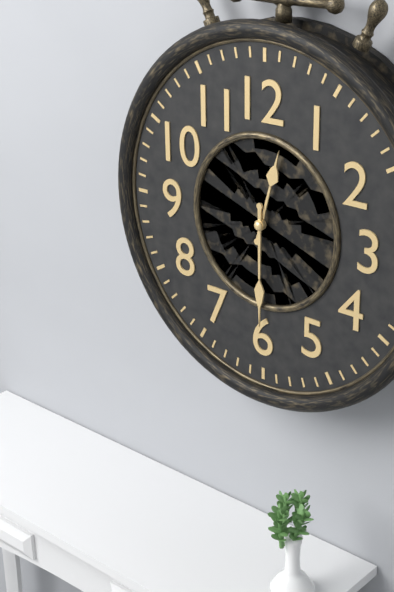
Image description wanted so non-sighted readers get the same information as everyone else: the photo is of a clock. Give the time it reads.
12:30
